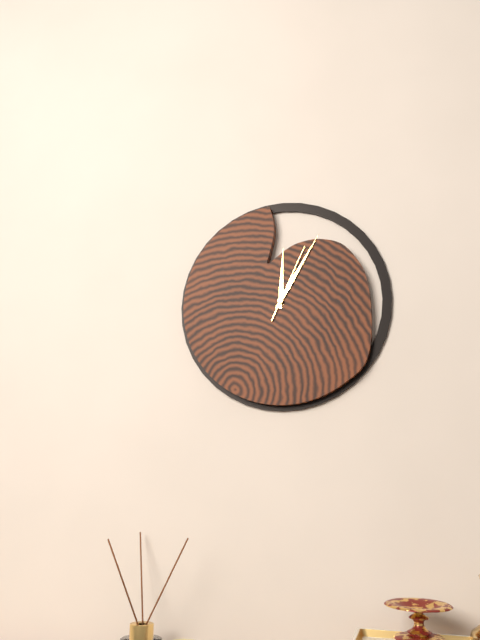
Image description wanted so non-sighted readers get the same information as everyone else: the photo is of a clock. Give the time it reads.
12:05:04
